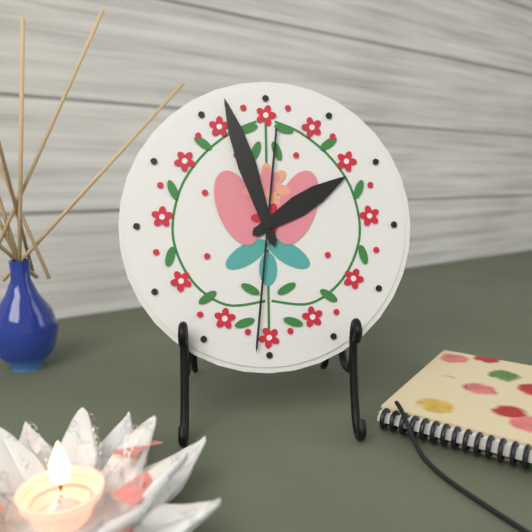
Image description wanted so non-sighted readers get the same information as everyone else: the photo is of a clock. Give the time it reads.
1:57:31
